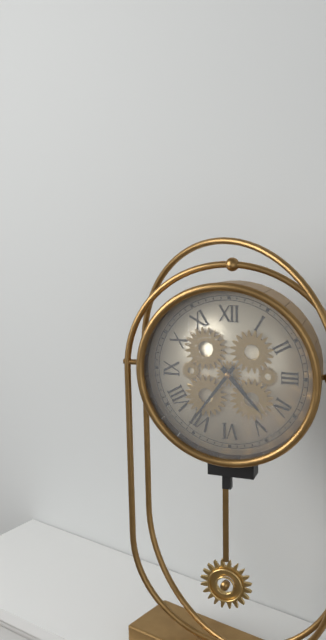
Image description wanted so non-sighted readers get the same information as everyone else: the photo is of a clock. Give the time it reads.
4:36
